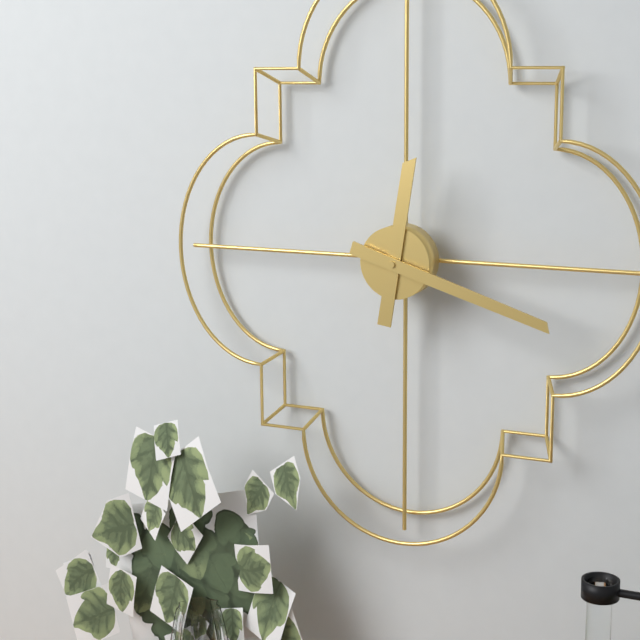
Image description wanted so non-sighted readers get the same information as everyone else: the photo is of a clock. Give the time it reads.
12:18
